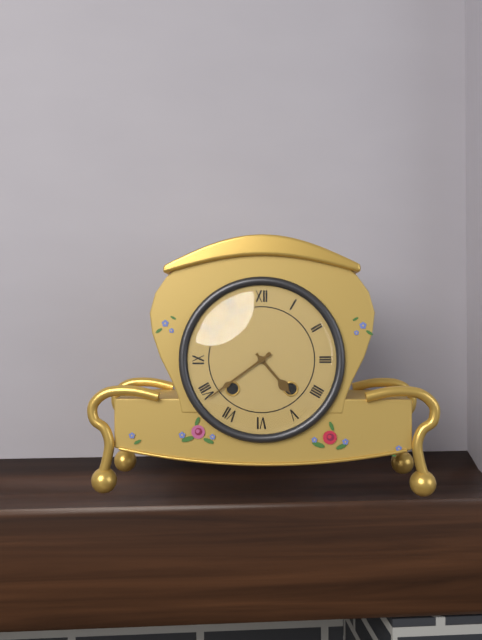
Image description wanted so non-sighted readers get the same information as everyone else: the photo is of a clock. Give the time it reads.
4:39
